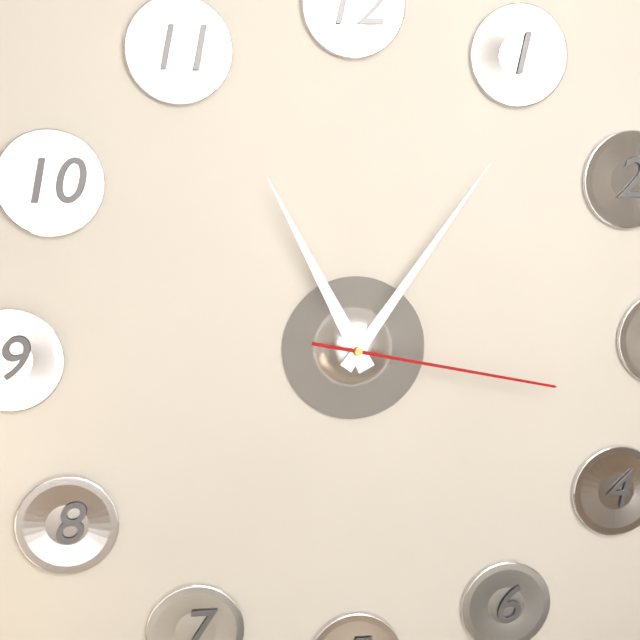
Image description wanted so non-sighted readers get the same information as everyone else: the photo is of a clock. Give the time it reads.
11:06:17
